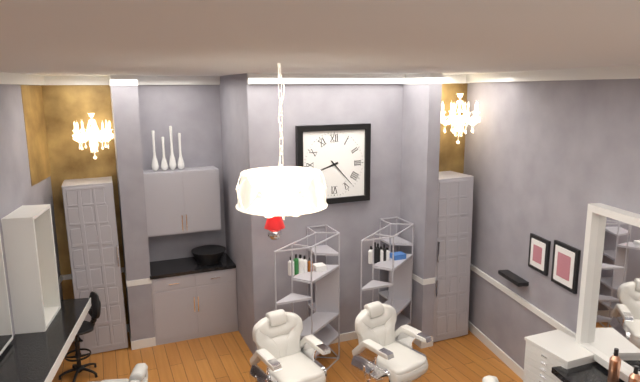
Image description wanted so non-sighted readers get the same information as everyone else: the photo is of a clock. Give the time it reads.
8:23
